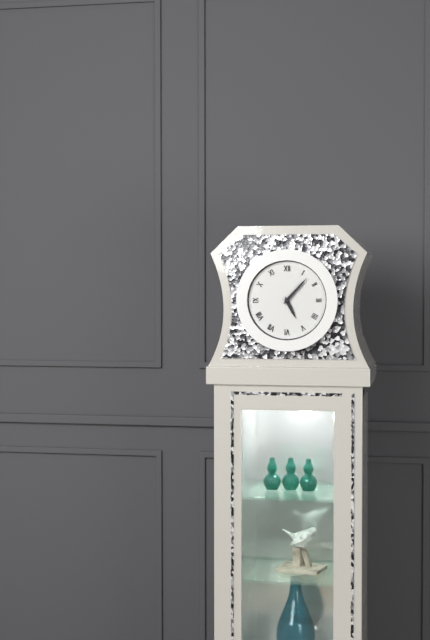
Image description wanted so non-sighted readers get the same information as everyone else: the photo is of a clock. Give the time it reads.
5:07
